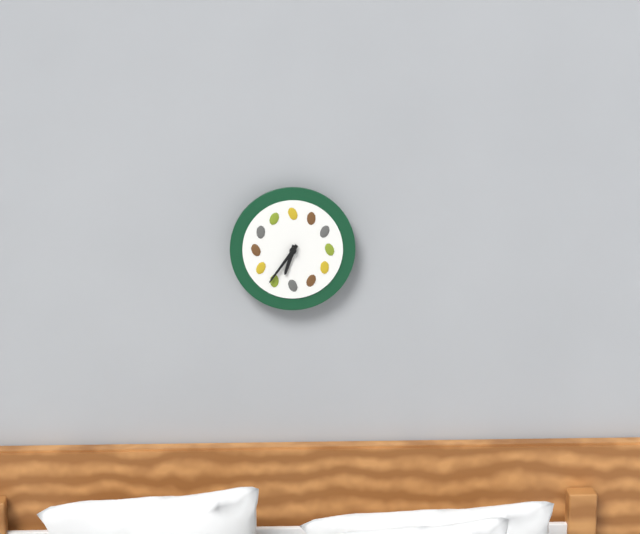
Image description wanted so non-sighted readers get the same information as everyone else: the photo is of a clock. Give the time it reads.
6:36
